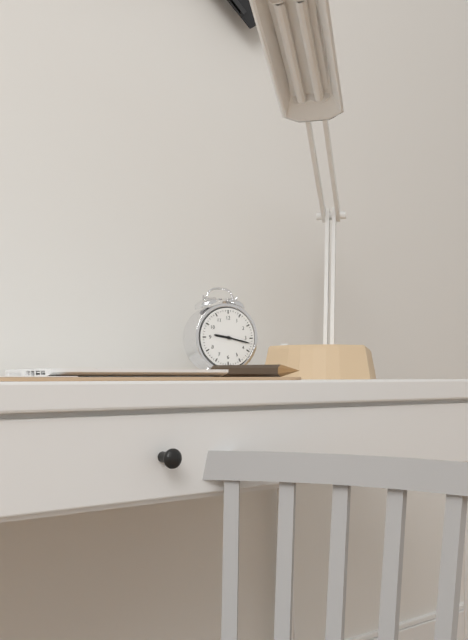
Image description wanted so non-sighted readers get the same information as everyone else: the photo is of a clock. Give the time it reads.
9:17
